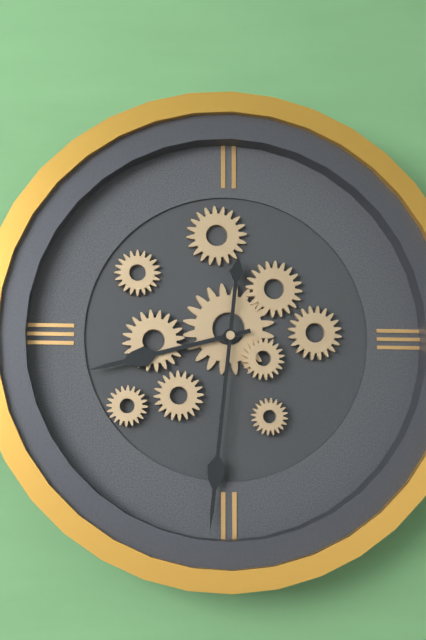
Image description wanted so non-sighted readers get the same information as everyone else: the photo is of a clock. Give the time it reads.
8:31
